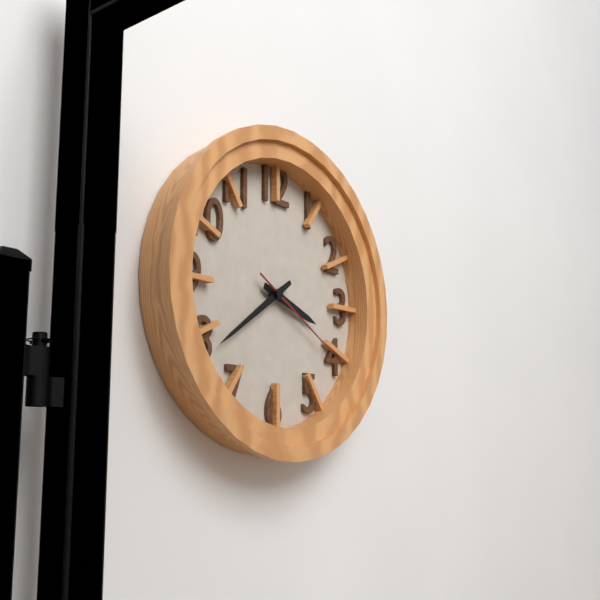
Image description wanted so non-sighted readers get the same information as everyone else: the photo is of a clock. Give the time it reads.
3:39:20
